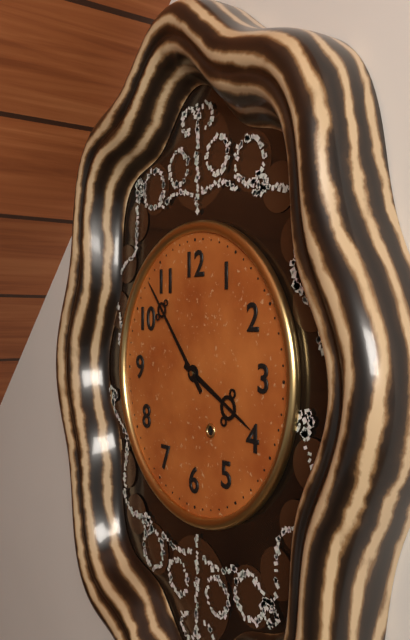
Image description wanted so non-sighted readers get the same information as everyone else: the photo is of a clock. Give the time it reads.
3:53
